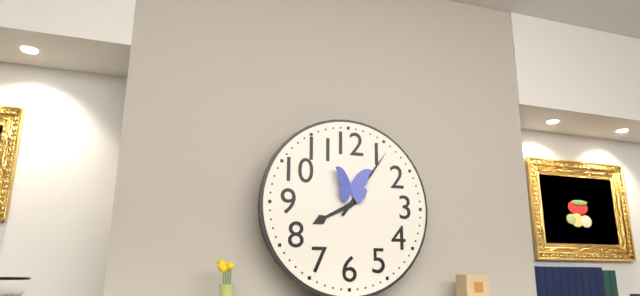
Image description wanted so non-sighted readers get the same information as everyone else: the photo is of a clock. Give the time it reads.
8:06
